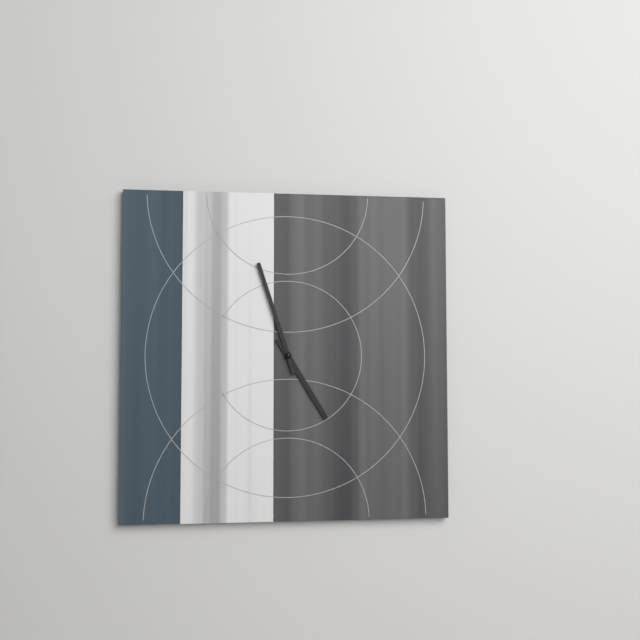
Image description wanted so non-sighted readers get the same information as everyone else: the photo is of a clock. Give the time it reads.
4:57
